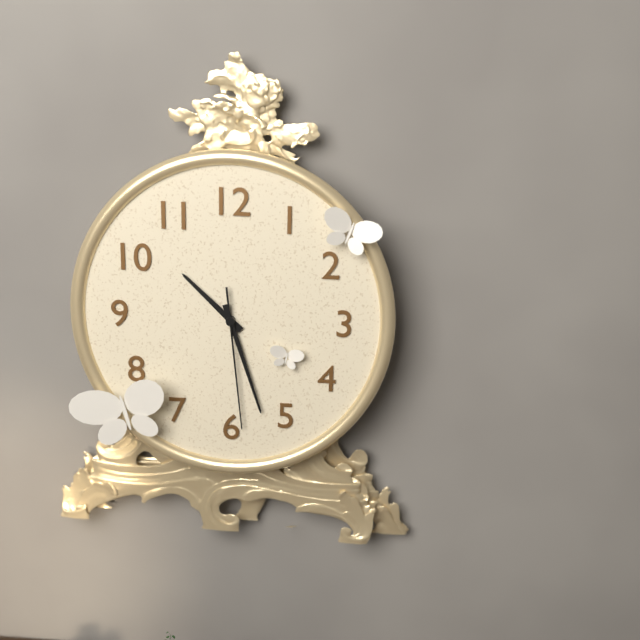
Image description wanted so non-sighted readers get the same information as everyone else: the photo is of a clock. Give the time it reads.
10:27:29
